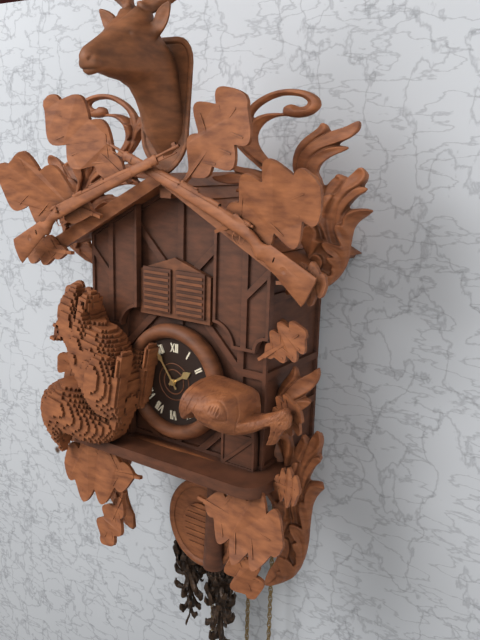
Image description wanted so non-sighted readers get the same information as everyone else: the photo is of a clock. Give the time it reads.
1:54
